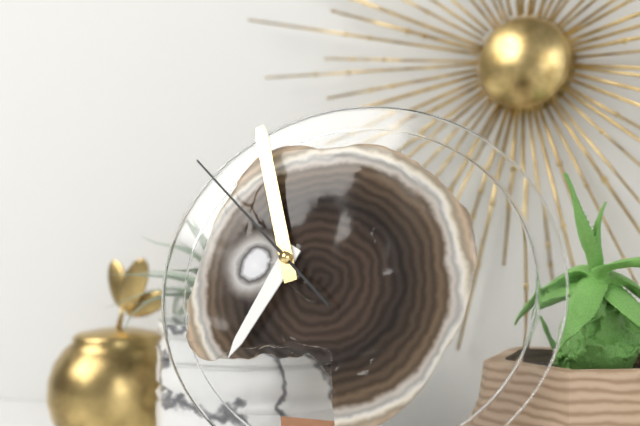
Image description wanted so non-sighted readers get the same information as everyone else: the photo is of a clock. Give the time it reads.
6:57:52
